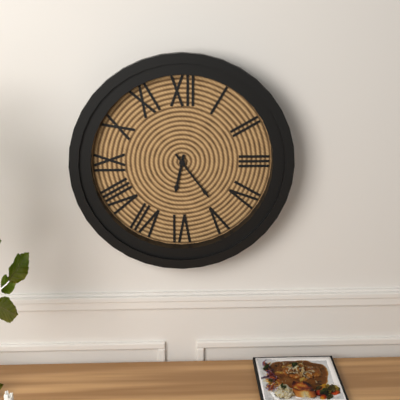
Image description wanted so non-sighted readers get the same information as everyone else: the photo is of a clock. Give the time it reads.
6:24
